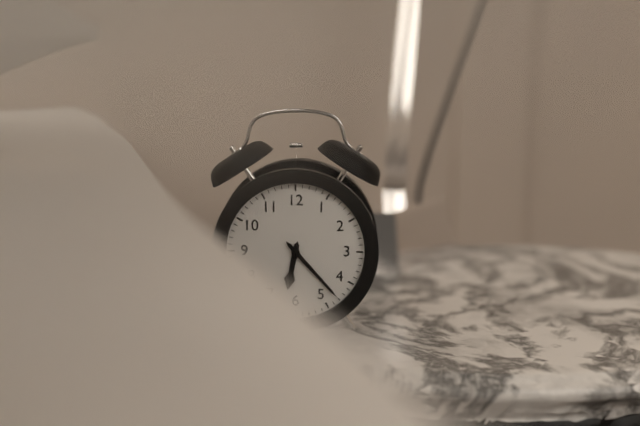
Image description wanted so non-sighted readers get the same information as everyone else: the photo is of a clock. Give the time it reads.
6:23
